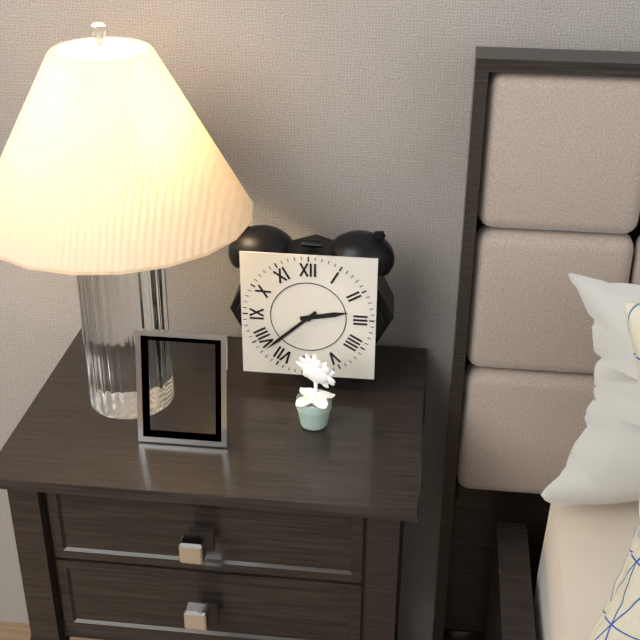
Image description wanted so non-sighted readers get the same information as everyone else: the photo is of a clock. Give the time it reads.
2:38
